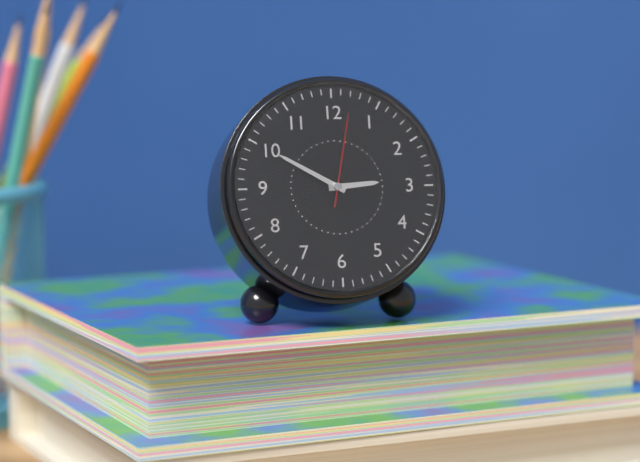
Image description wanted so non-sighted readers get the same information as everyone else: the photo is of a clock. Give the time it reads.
2:50:02
